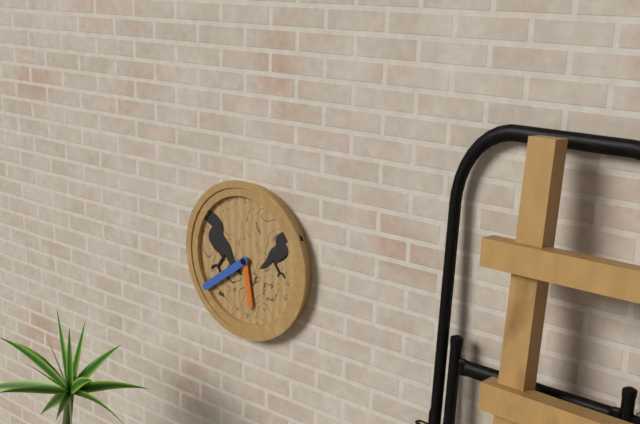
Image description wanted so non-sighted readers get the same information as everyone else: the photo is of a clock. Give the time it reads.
5:39
